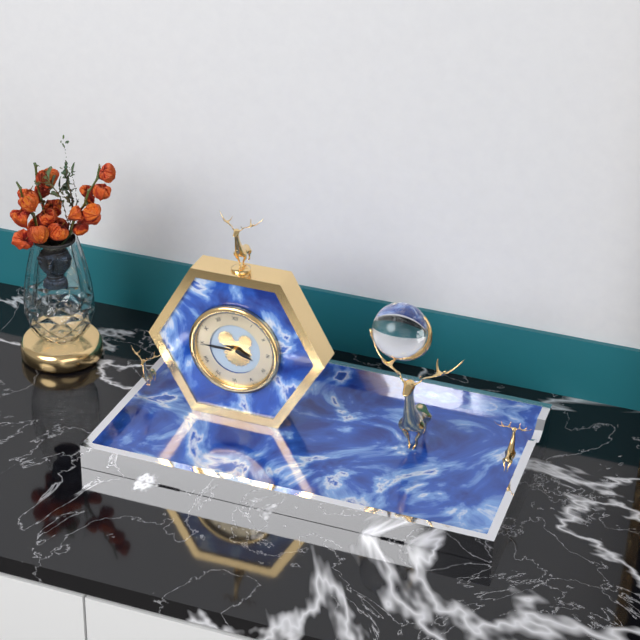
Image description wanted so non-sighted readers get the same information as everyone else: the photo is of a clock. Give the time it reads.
3:45
